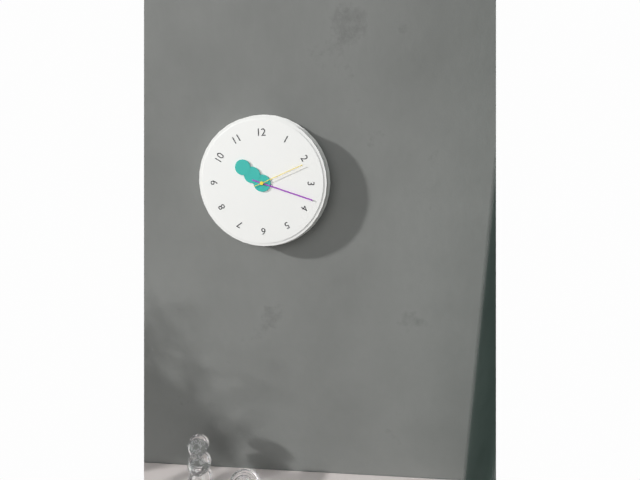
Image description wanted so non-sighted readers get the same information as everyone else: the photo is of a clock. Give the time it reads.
10:18:11
